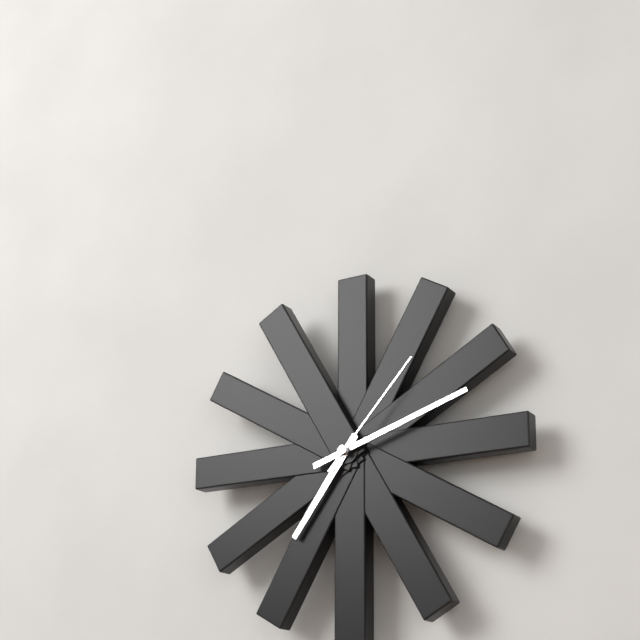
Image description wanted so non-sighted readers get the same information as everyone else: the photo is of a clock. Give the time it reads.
7:12:07
